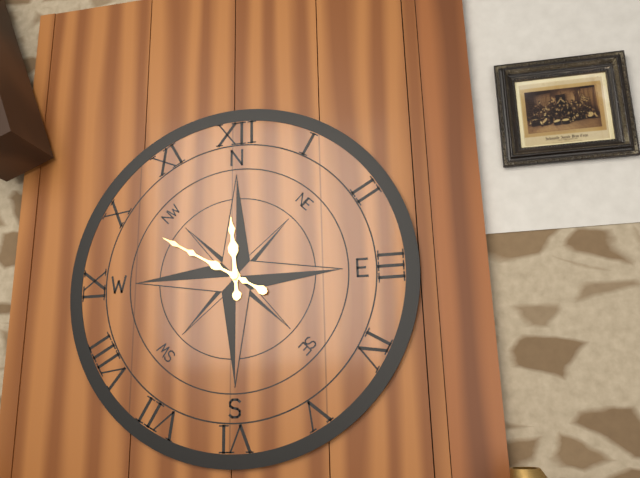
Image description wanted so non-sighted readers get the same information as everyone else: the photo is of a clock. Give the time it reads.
11:50
